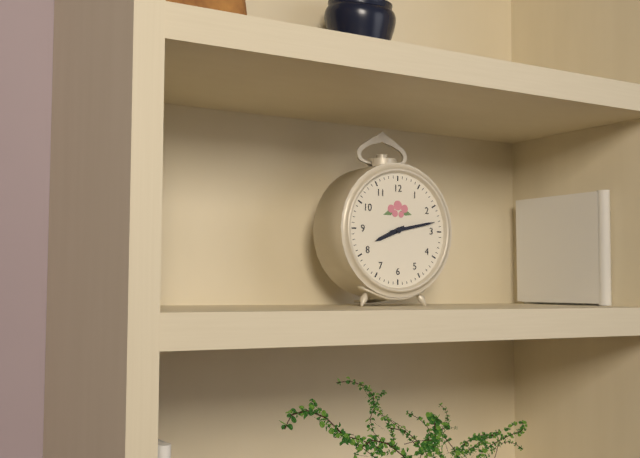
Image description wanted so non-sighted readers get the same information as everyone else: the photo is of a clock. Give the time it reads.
8:13
